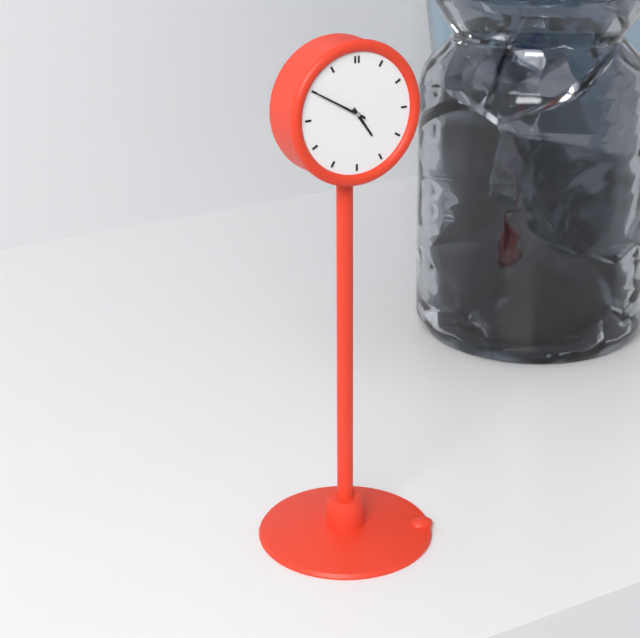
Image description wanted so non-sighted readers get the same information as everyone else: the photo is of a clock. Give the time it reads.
4:50
